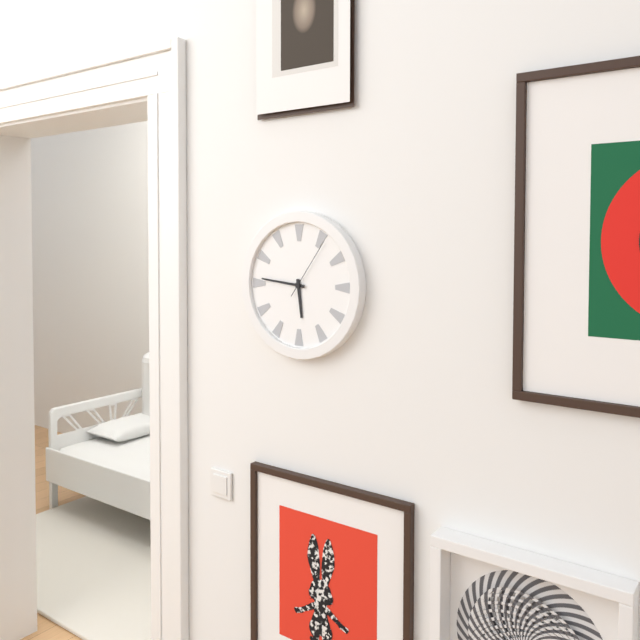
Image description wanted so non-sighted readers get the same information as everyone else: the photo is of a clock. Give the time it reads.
5:46:06
